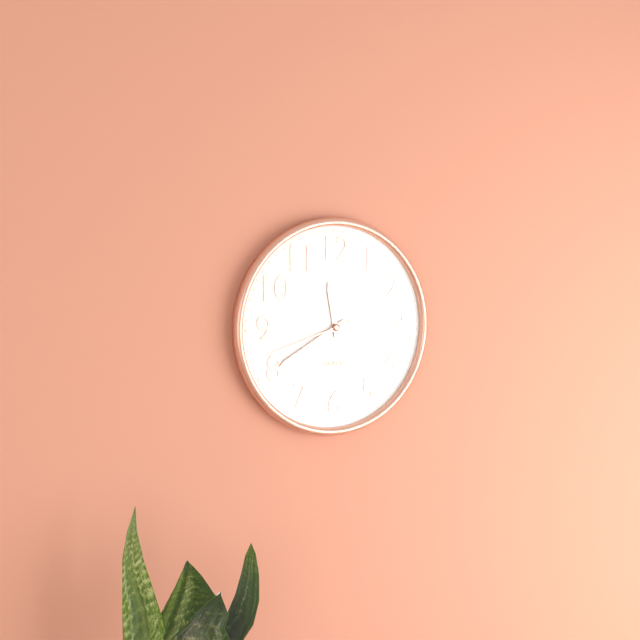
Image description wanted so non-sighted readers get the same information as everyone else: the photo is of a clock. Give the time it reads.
11:40:42
